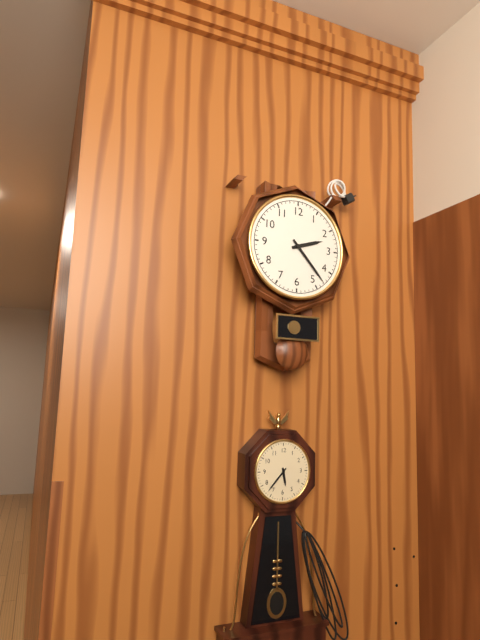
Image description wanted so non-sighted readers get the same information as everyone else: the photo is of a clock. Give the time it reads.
2:23
